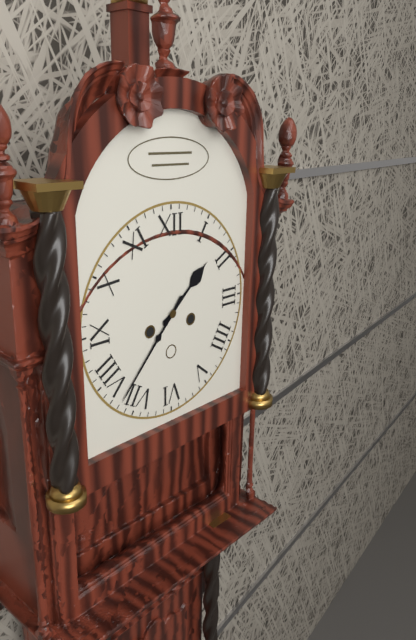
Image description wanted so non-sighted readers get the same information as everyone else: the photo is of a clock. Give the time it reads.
1:37
